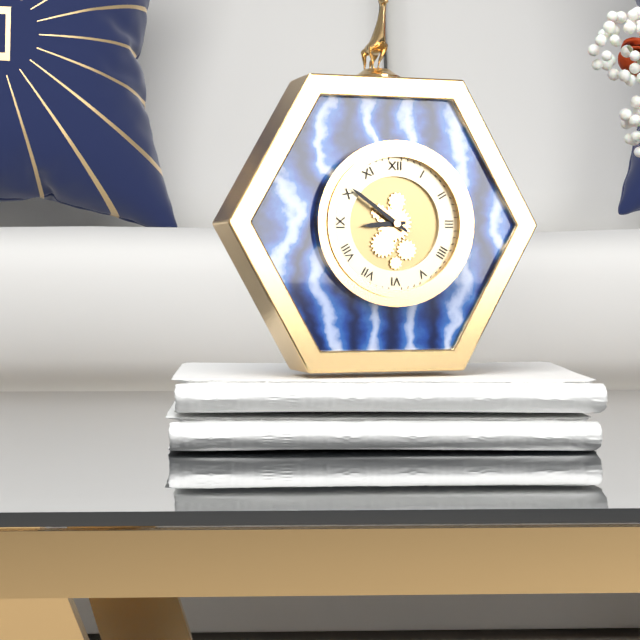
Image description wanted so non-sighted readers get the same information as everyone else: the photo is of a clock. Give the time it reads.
8:51
